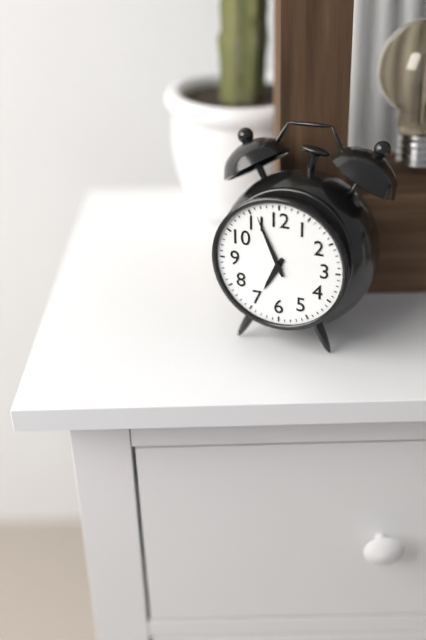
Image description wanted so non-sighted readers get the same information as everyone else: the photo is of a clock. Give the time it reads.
6:56
